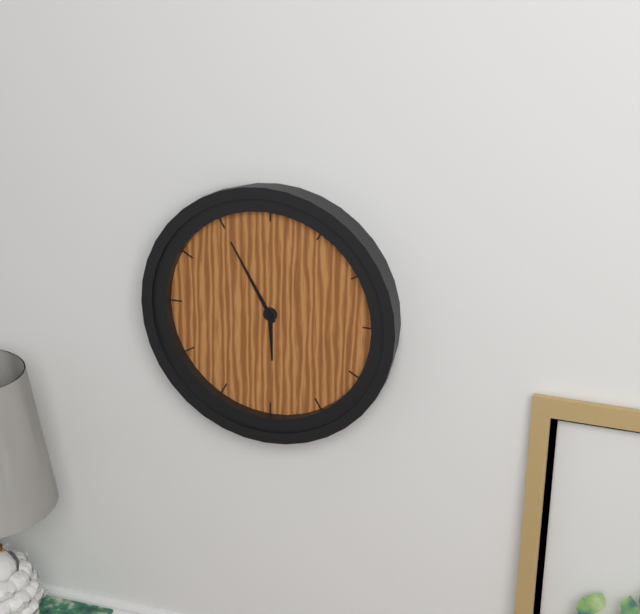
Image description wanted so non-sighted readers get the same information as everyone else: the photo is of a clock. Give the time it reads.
5:55
